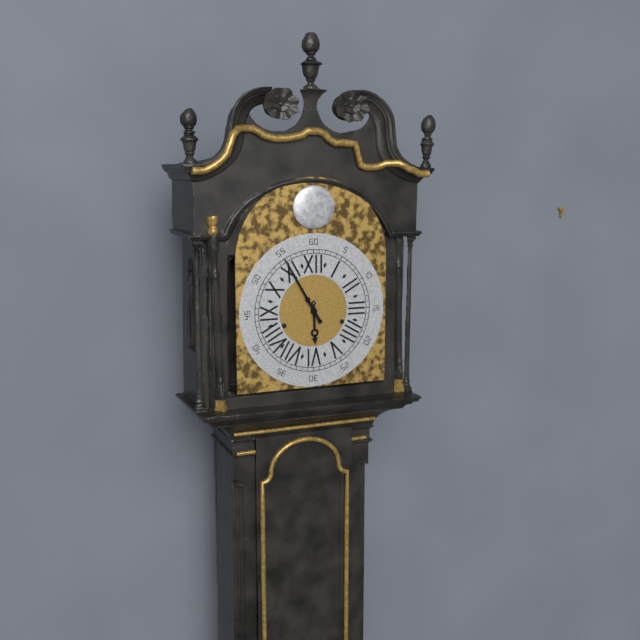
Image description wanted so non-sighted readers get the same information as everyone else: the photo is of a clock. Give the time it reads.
5:55
